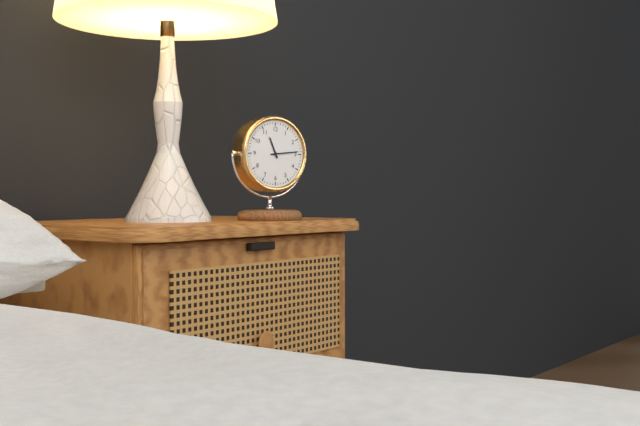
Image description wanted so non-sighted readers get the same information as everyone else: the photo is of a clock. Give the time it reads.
11:14
